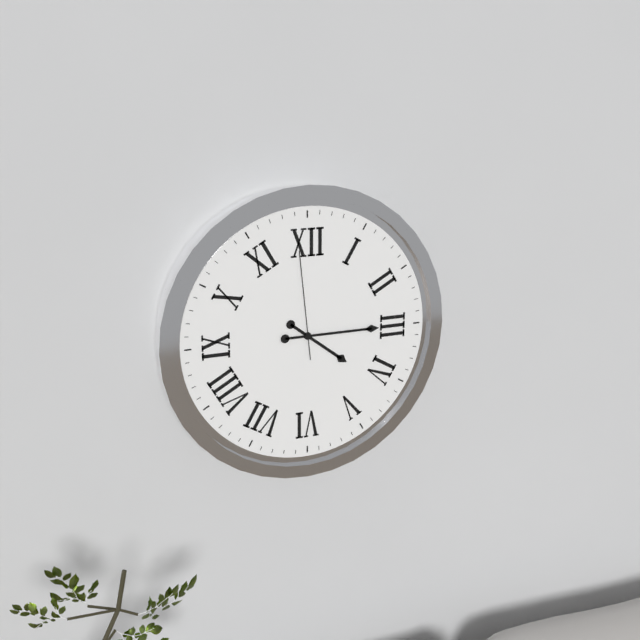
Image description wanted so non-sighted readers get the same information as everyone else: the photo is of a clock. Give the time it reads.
4:15:59
